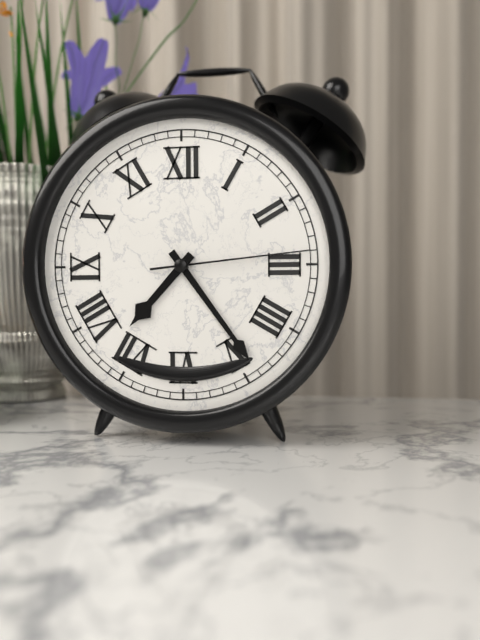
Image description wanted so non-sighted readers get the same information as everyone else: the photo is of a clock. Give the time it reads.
7:24:14
